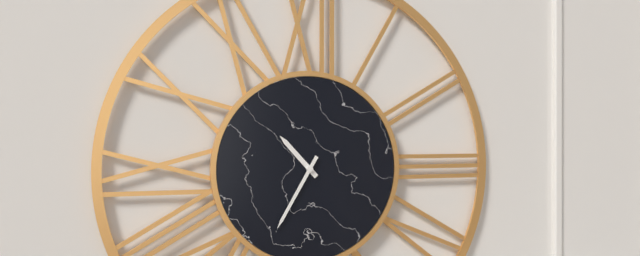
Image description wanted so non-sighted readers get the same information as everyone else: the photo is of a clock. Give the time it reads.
10:35
